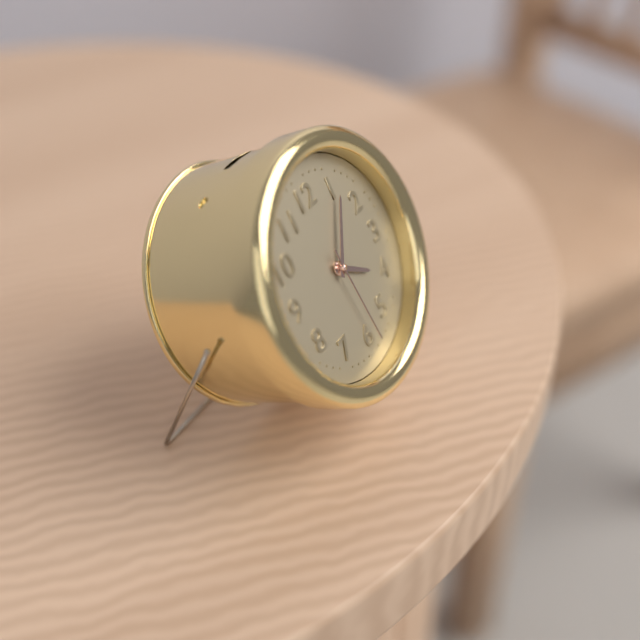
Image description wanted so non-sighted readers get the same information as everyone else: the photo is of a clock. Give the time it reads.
4:06:29
